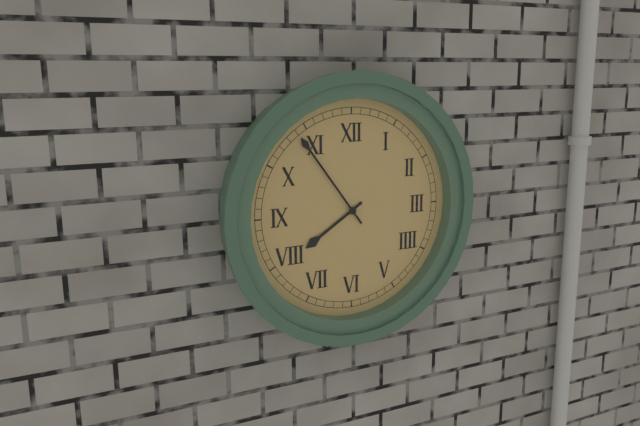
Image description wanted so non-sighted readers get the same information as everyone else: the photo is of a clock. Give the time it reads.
7:54
